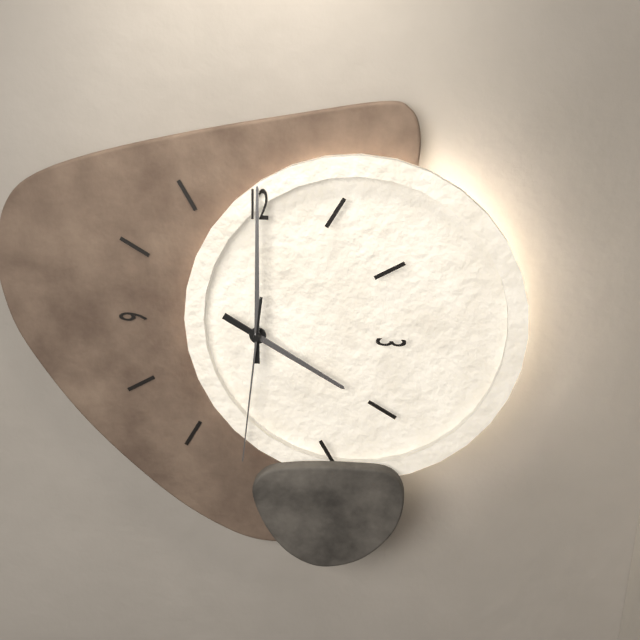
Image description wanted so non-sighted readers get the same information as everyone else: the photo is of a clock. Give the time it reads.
4:00:31
